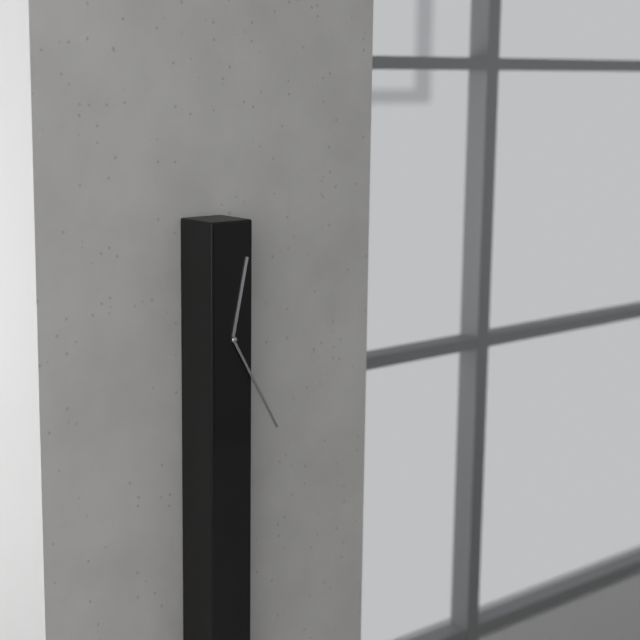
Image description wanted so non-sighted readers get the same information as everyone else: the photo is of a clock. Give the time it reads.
12:25
